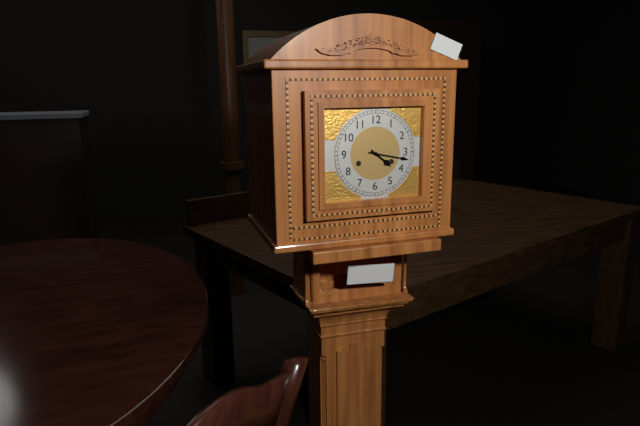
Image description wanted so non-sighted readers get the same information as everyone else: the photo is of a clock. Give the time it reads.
4:17
